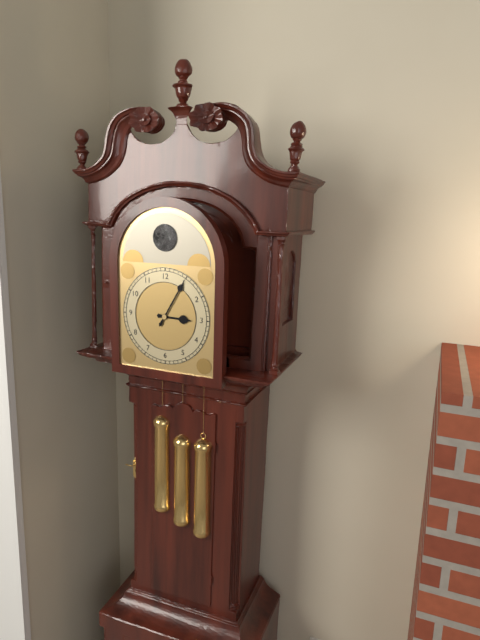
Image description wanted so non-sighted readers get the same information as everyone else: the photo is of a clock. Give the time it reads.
3:05
